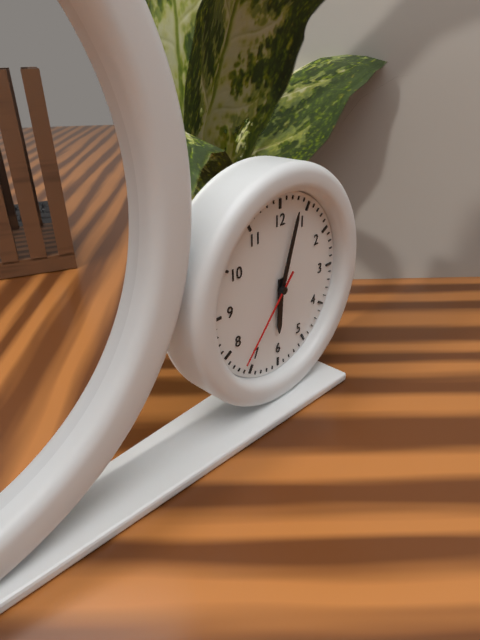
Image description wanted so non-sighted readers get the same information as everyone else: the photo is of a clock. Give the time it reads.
6:03:37
